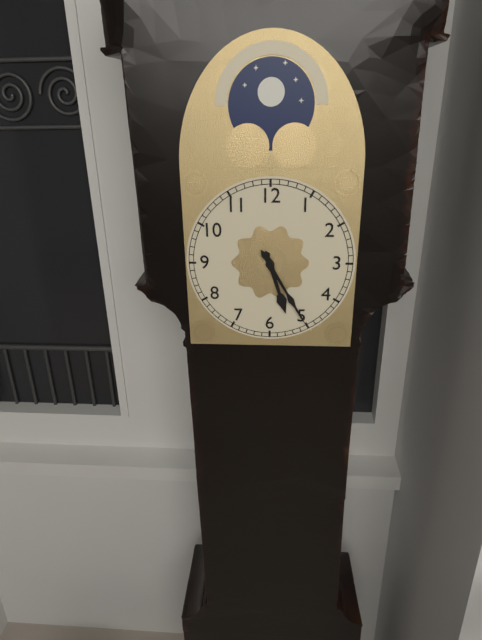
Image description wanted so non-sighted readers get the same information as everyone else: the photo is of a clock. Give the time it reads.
5:25
